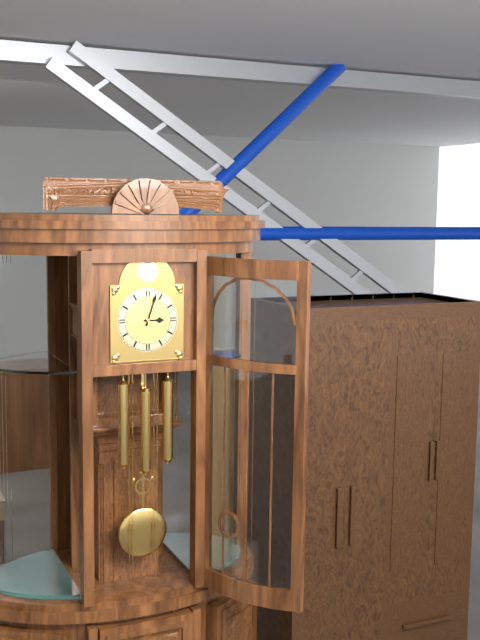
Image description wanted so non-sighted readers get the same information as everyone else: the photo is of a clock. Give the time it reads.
3:03
